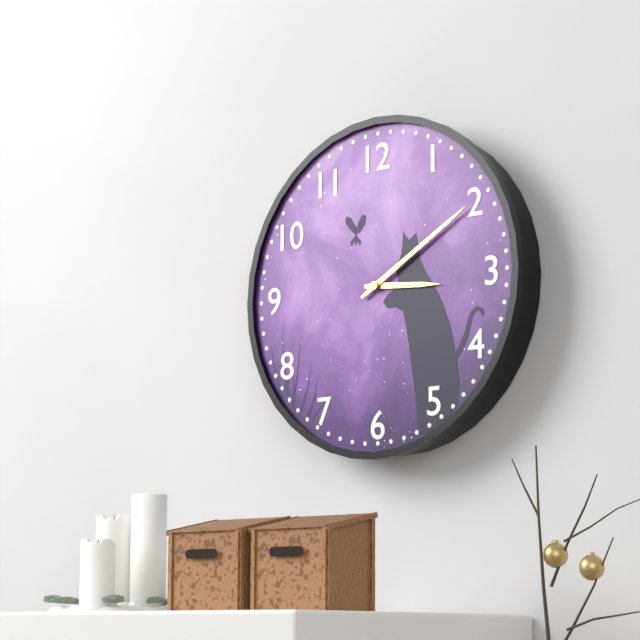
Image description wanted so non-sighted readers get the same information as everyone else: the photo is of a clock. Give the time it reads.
3:10
